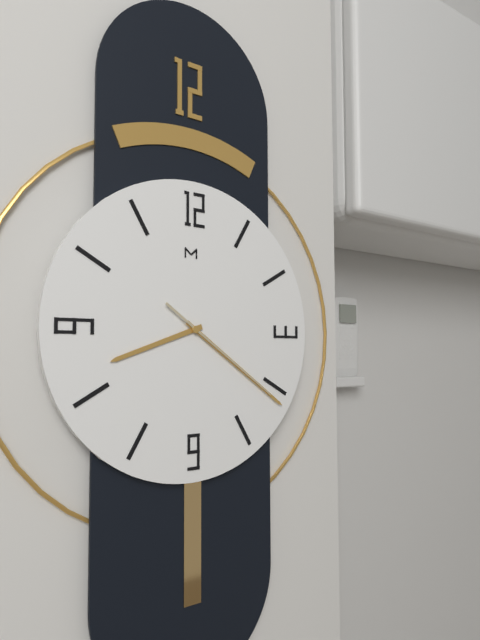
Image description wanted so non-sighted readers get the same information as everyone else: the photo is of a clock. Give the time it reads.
8:21:21
